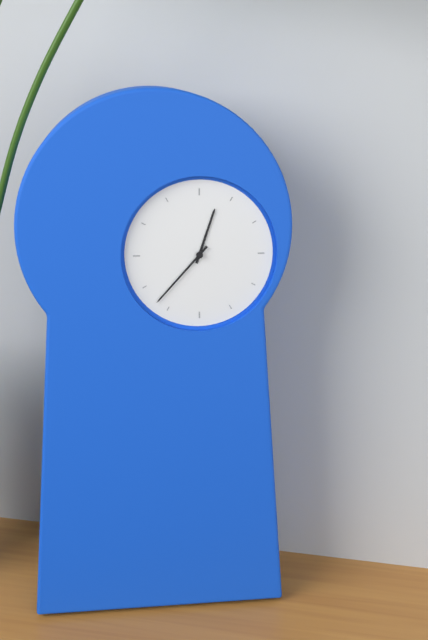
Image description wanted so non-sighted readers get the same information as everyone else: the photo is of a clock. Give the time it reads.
12:37
